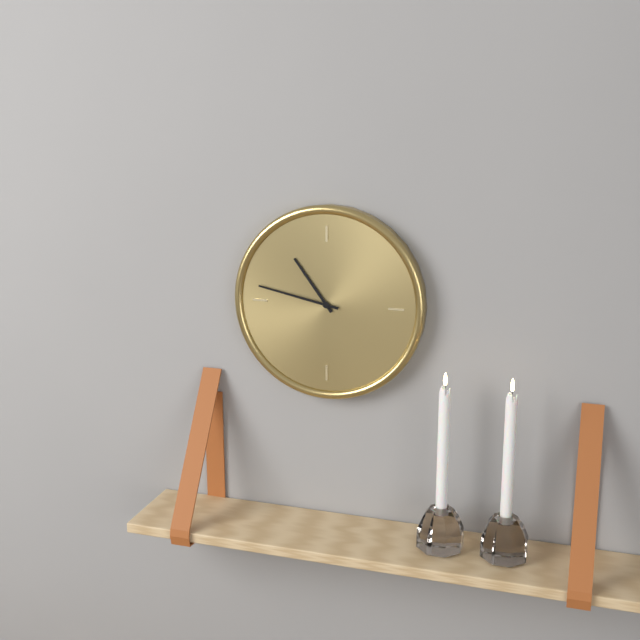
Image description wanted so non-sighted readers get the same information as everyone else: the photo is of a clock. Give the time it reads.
10:47
